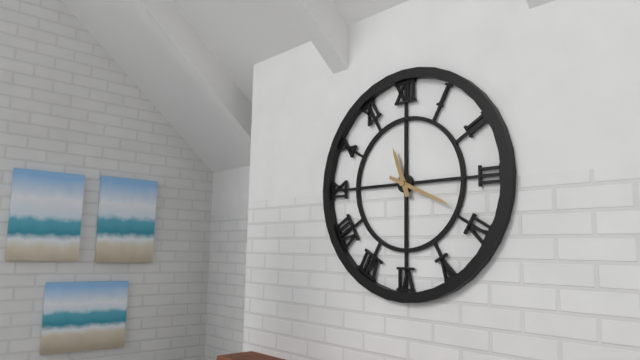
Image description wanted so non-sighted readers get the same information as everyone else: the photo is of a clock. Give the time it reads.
11:19
